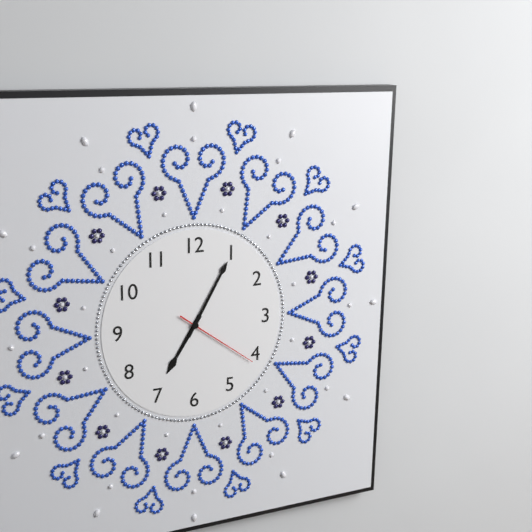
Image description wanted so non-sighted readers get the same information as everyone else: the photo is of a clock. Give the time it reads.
7:05:21
